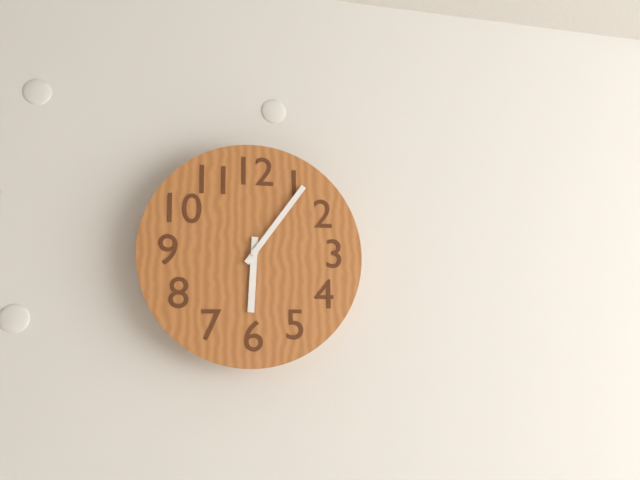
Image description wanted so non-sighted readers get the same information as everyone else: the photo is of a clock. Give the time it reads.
6:06
